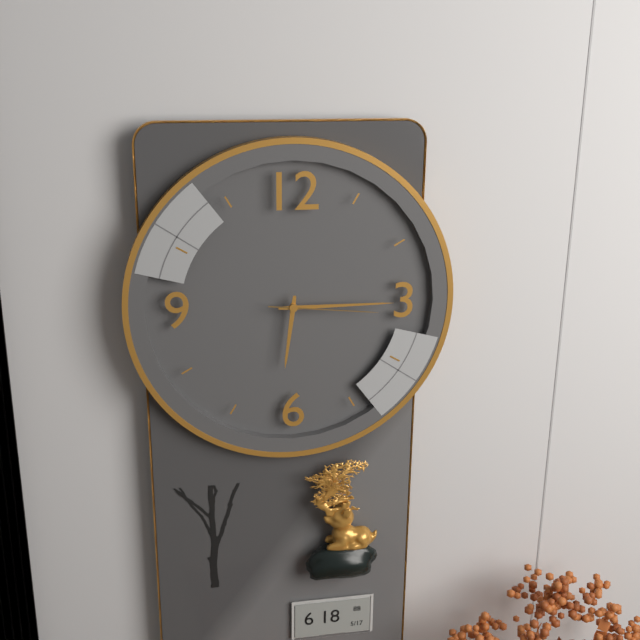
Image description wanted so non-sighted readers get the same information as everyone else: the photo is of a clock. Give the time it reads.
6:15:16
